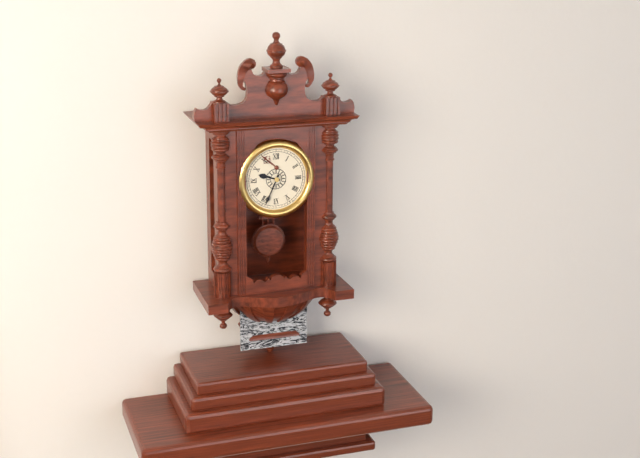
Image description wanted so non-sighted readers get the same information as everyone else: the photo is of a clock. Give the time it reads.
9:34
